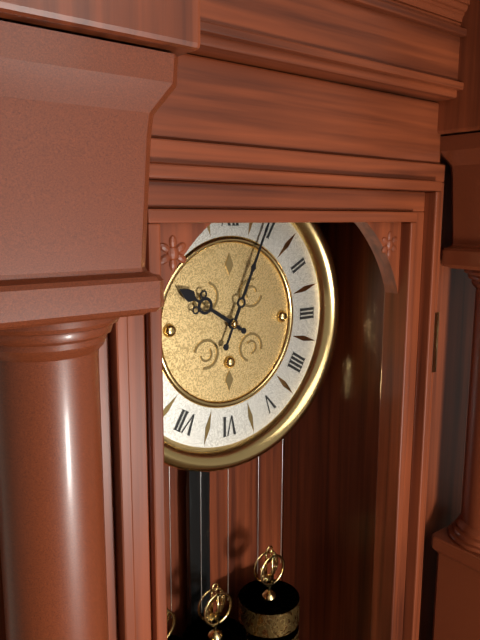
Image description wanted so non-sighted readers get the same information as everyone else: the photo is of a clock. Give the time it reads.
10:04
